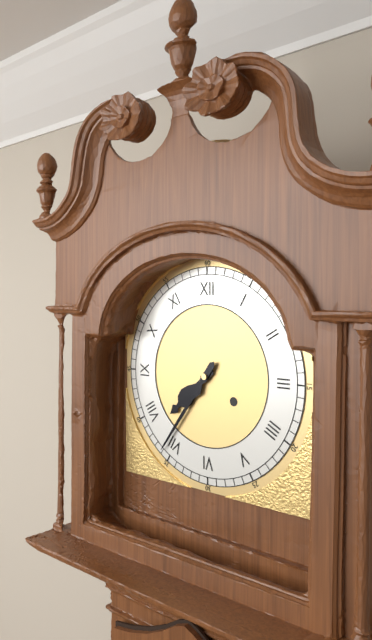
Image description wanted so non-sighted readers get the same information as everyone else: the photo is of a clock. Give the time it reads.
7:36
